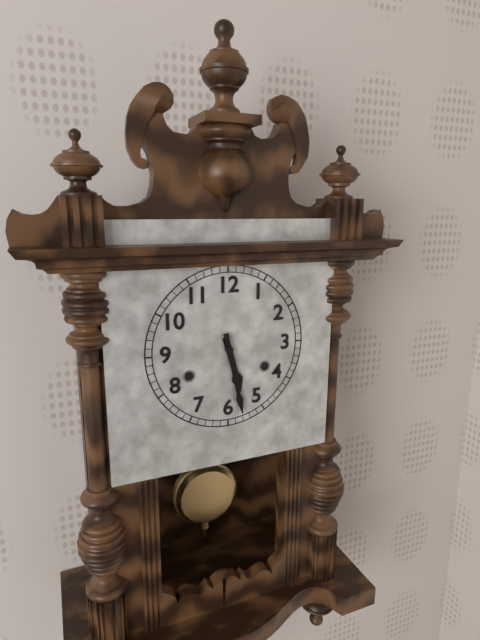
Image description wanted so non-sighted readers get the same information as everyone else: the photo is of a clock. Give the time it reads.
5:28
